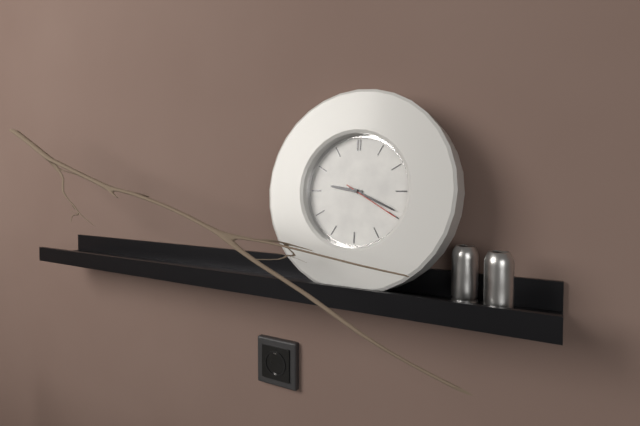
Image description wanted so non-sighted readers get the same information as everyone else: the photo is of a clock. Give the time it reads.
9:19:20
